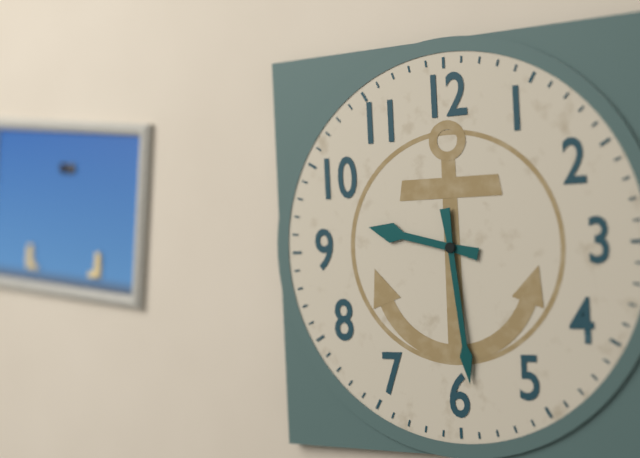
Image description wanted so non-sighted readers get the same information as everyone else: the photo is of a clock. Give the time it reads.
9:29
